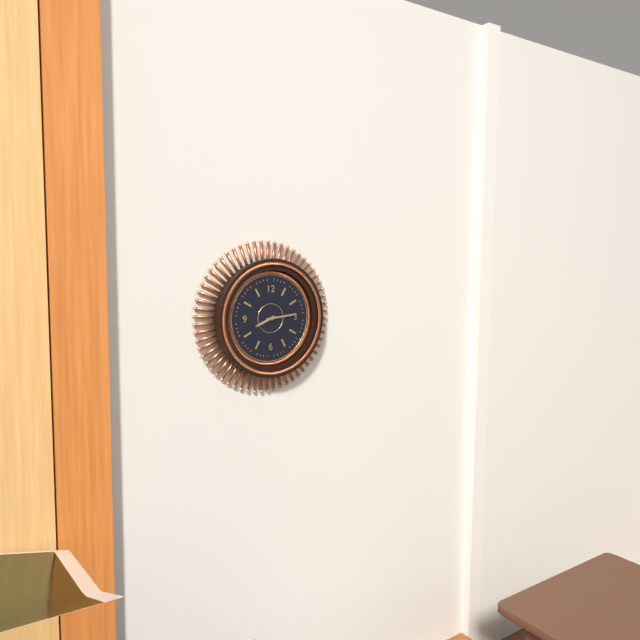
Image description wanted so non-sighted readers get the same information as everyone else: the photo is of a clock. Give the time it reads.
8:14
